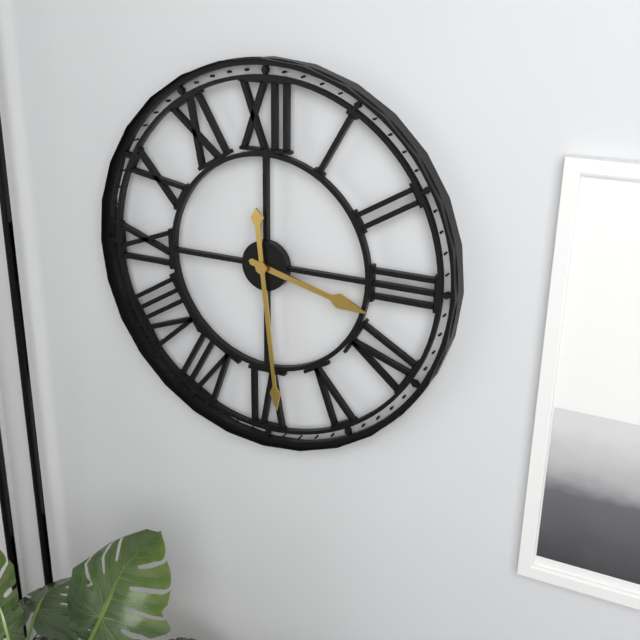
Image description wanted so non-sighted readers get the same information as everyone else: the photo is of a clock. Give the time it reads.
3:29
